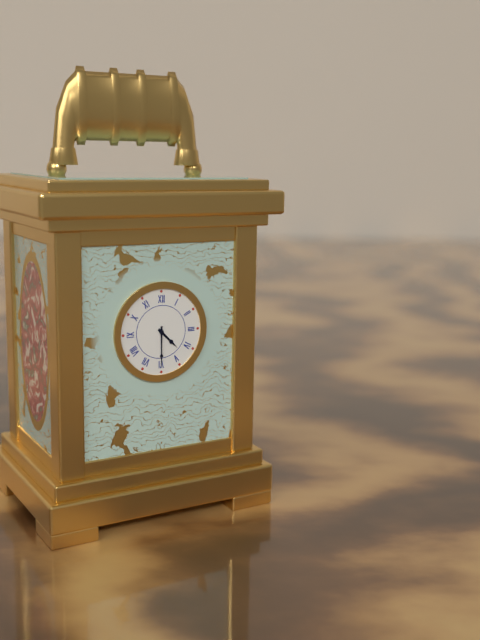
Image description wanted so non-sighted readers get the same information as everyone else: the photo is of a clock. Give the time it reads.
4:30
